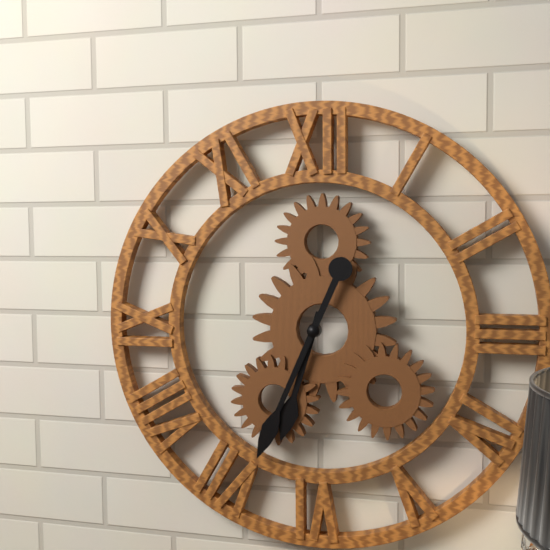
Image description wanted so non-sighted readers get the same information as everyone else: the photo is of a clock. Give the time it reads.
6:34
